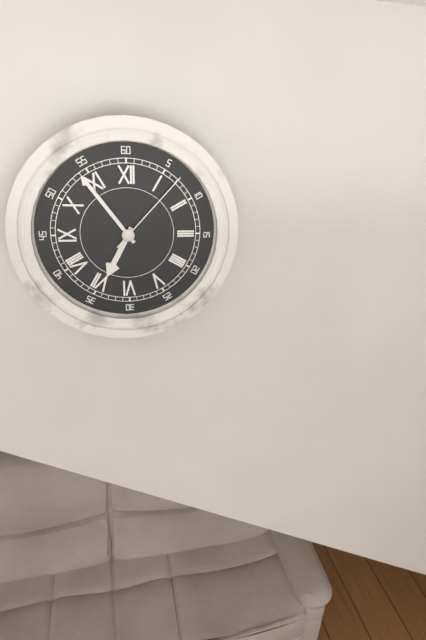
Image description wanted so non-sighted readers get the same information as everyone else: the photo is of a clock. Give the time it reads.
6:54:07
